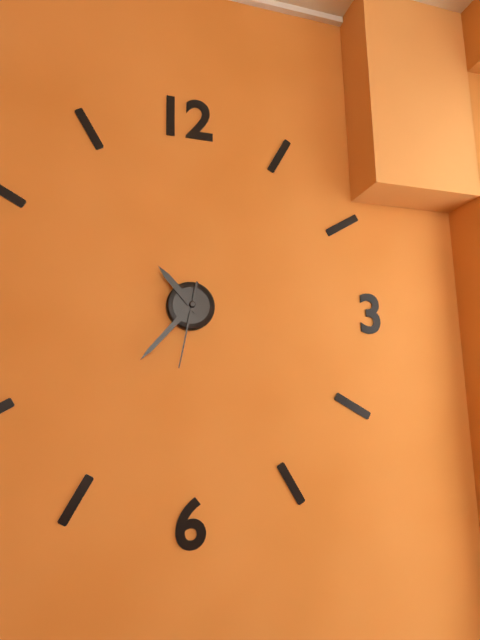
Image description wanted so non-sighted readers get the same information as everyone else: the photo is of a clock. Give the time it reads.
10:37:32
